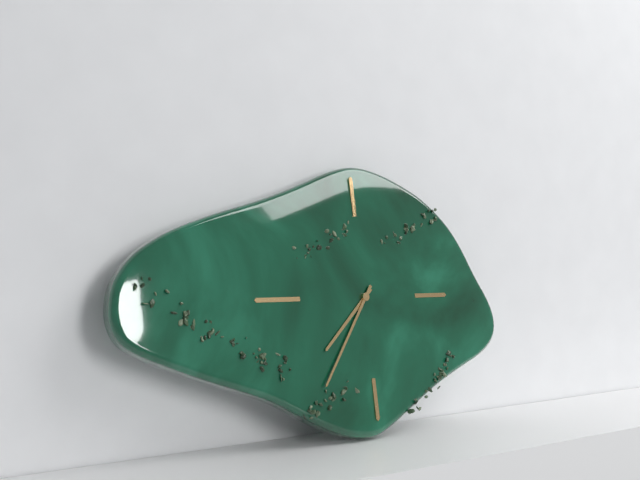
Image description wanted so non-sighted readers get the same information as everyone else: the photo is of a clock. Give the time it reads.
7:36
